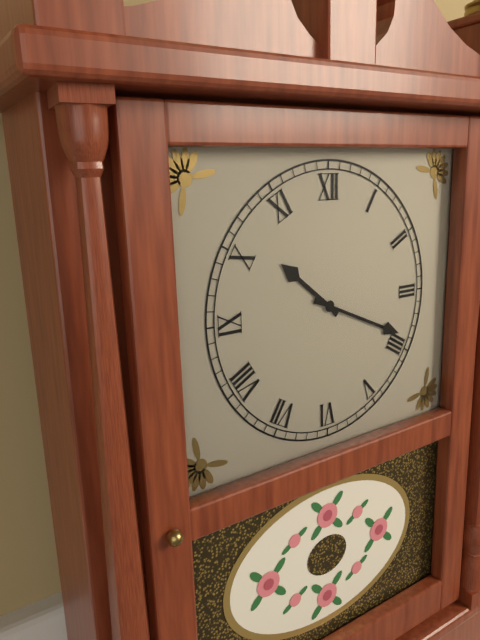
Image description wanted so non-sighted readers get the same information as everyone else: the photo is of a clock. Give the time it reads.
10:19
